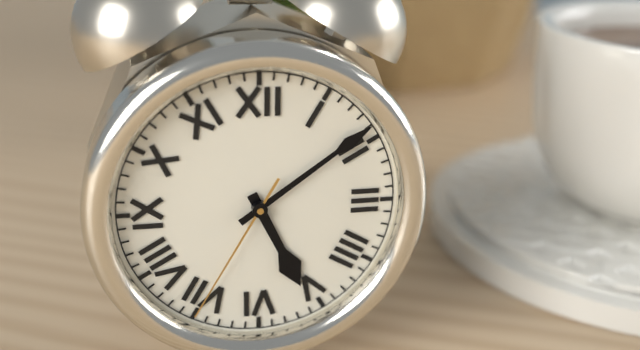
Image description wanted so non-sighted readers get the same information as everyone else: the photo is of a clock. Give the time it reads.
5:09:35
